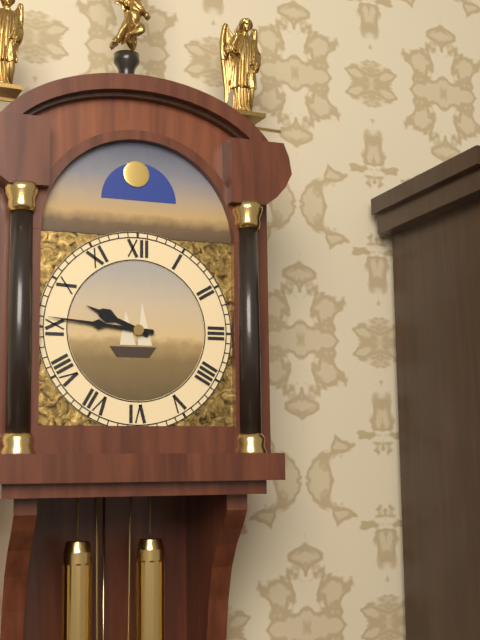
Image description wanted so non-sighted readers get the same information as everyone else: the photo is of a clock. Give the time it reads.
9:46
